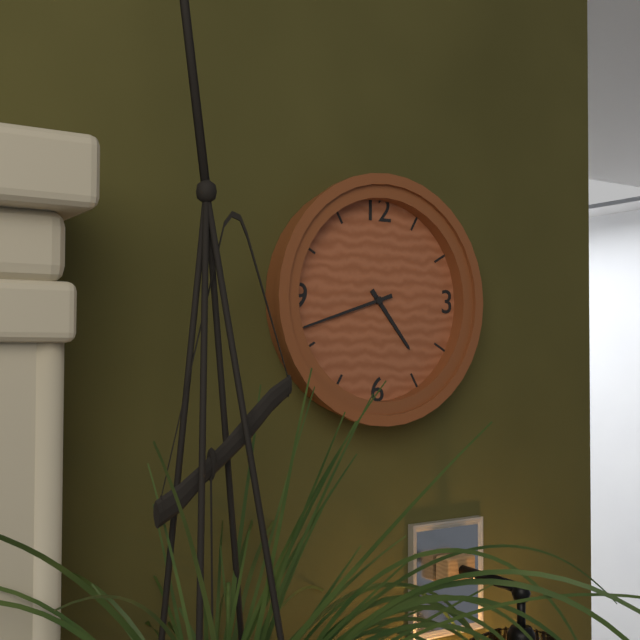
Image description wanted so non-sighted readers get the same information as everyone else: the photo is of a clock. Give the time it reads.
4:42
